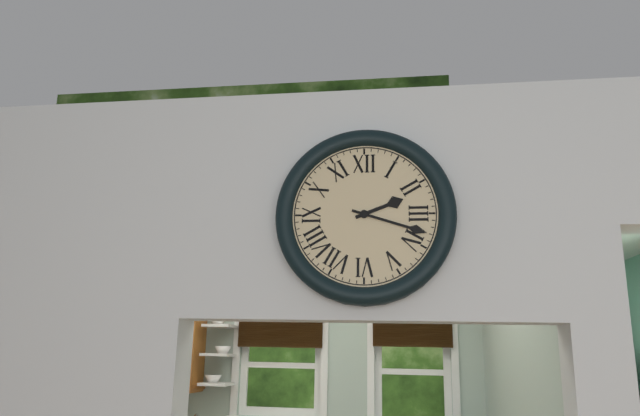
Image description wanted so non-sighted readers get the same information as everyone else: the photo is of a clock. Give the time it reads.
2:18
